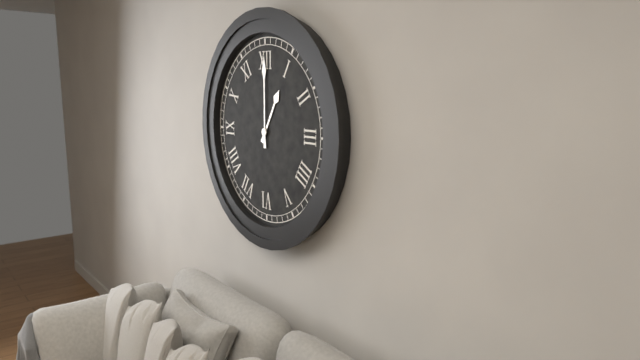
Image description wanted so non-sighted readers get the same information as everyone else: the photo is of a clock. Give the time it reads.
1:00
